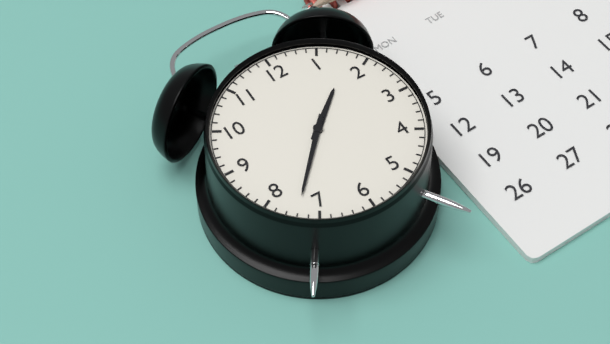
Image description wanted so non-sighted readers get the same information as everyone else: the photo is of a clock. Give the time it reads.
1:37
